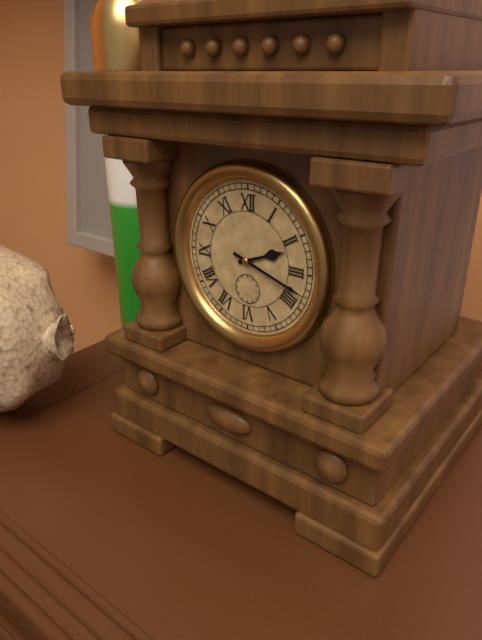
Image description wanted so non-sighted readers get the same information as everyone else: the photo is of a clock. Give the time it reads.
2:18
